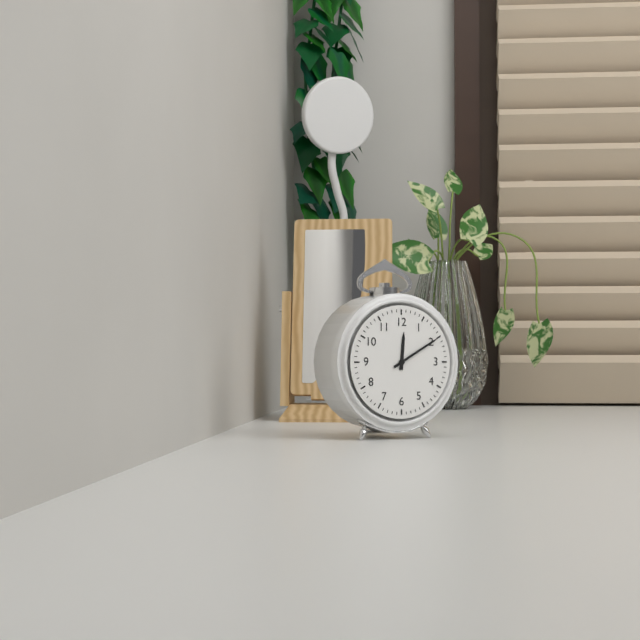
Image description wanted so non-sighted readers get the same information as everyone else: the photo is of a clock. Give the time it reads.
12:10
